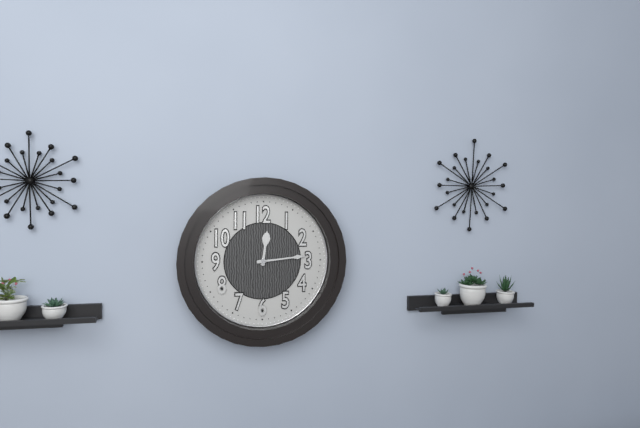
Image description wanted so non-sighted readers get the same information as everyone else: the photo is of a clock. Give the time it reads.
12:14
